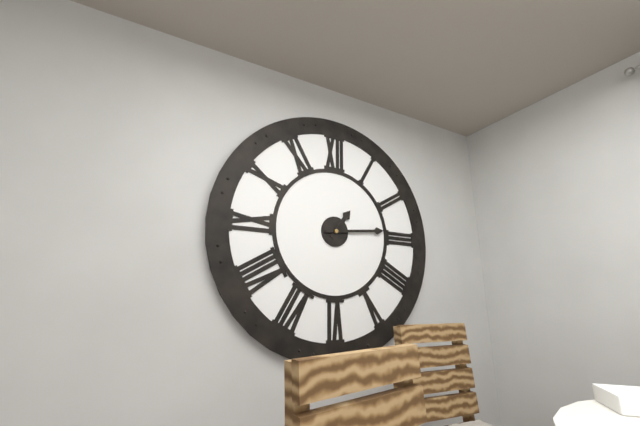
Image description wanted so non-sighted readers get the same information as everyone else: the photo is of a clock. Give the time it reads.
1:14
